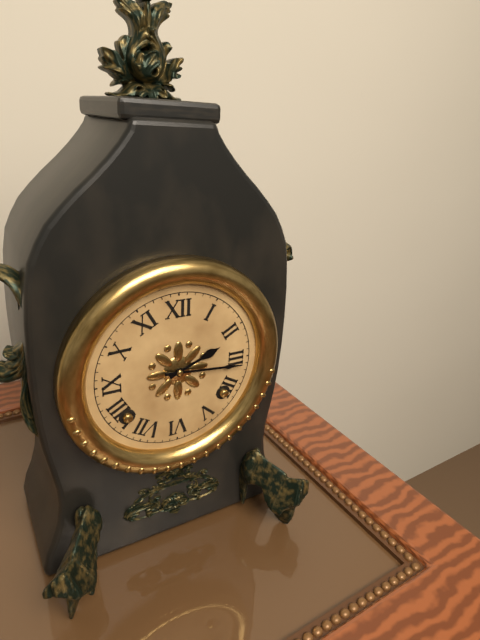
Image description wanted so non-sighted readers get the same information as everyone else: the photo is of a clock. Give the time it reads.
2:16
